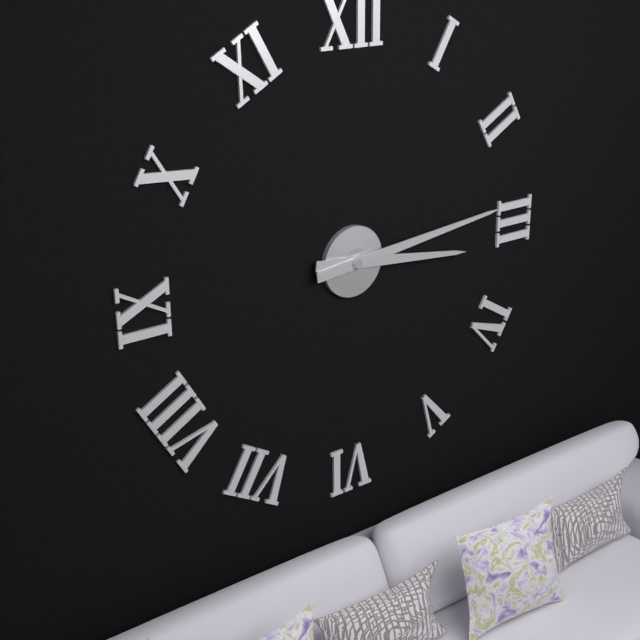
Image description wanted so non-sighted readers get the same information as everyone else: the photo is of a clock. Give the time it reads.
3:14
